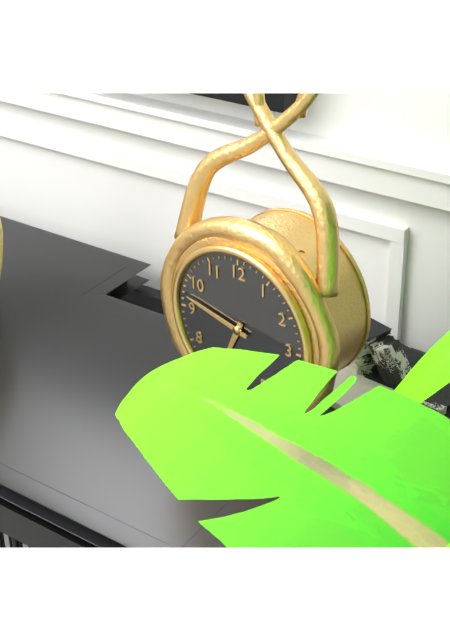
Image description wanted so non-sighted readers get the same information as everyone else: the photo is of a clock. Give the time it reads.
6:47
